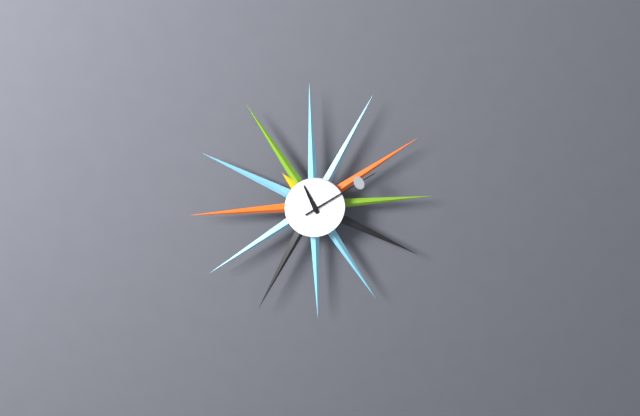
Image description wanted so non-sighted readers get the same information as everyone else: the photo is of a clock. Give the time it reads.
11:10
